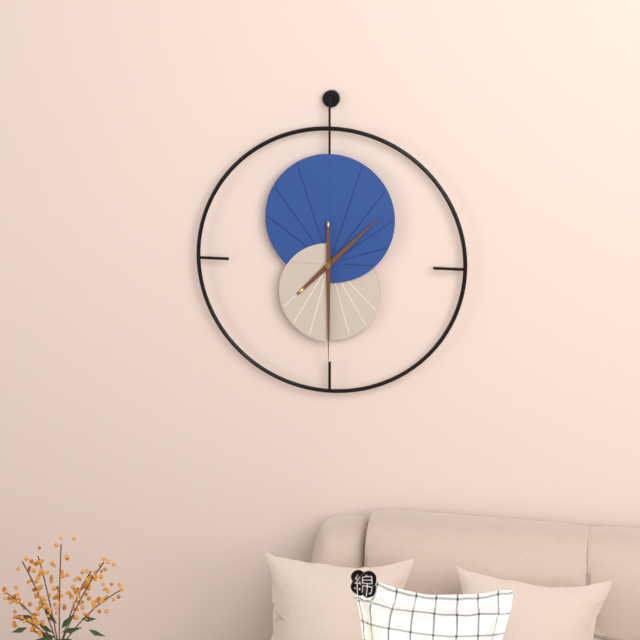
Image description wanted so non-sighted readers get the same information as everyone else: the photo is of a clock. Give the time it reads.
1:30
